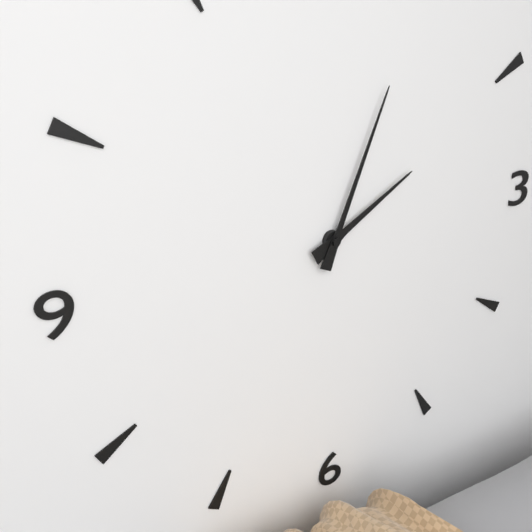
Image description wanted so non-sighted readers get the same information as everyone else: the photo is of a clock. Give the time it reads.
2:04
